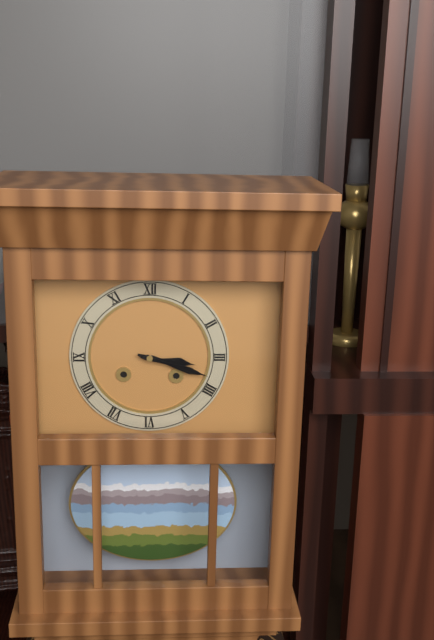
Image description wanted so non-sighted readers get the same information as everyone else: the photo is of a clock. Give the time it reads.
3:18
